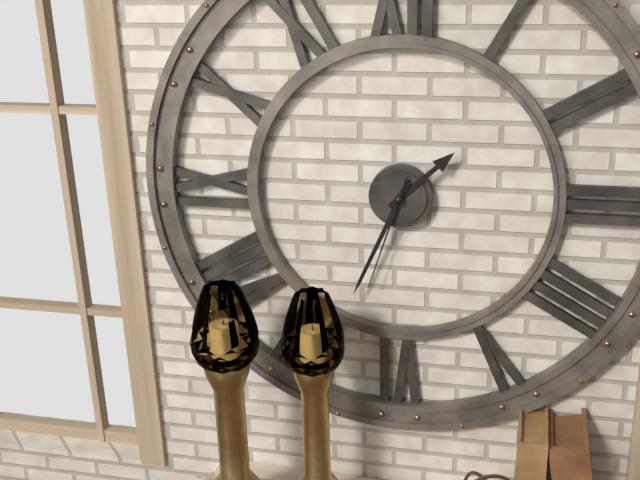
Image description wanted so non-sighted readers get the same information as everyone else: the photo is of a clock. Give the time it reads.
1:34:33
